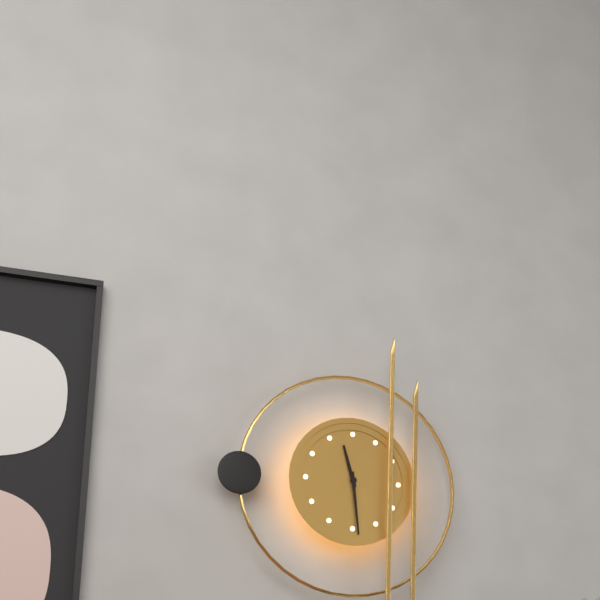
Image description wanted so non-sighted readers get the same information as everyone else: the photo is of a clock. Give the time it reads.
11:29
